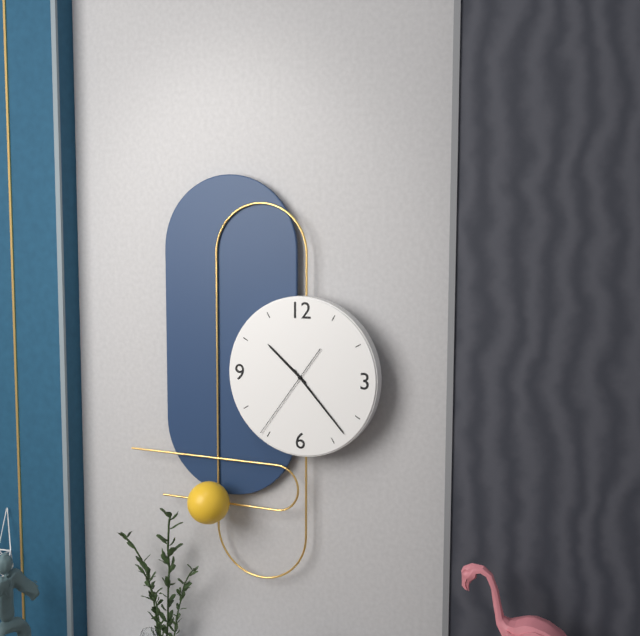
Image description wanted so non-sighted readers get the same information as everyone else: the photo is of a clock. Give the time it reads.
10:23:36
